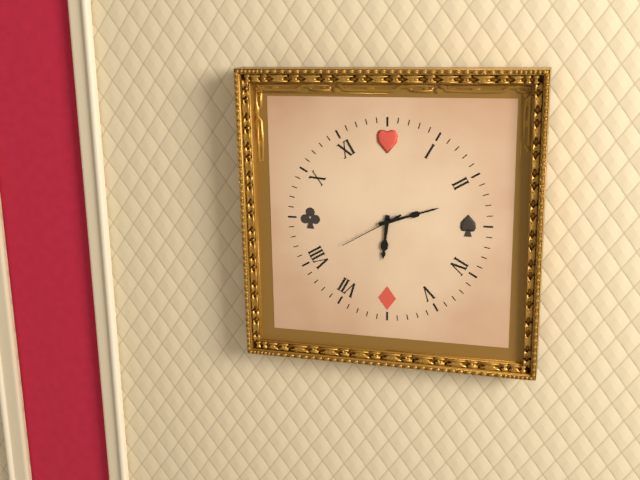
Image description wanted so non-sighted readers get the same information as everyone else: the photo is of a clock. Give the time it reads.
6:12:40
